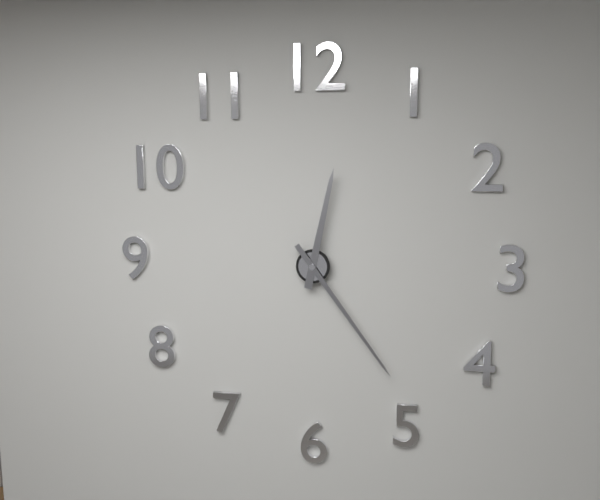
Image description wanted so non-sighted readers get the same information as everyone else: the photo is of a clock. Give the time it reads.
12:24
